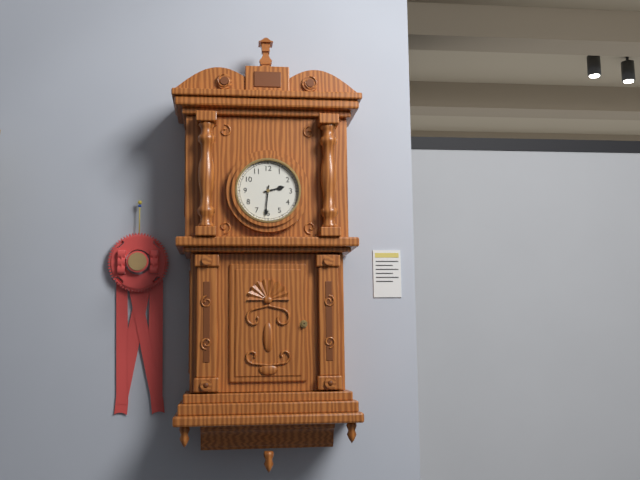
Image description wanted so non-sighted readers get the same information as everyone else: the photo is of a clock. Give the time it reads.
2:31
